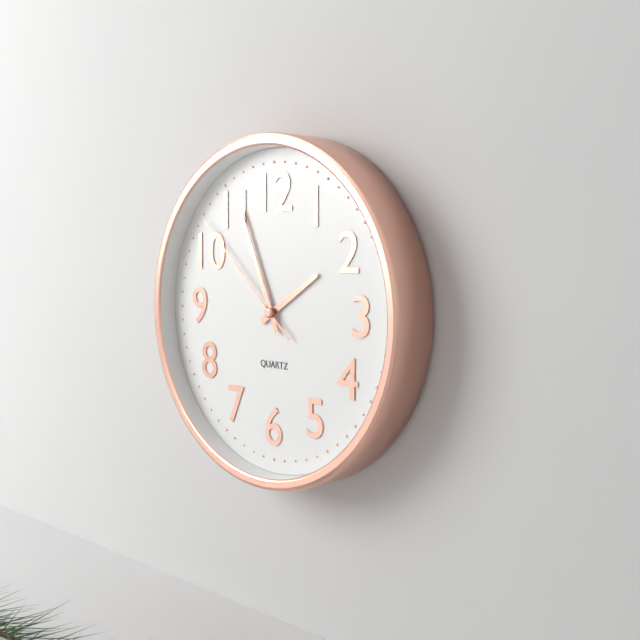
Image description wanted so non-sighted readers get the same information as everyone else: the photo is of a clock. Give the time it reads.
1:56:52
